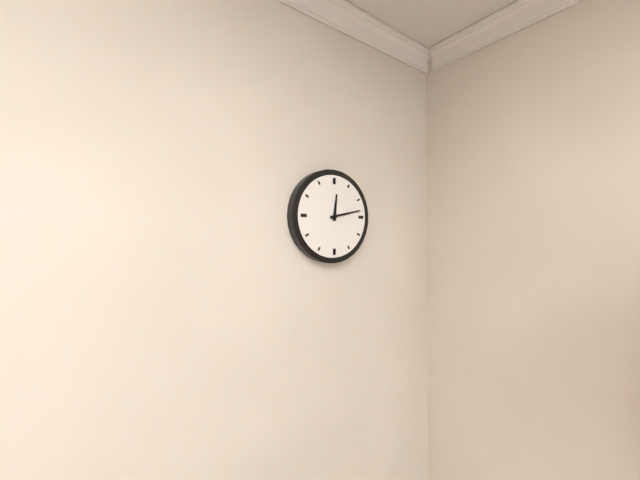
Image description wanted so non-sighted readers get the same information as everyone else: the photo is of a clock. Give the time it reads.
12:13
